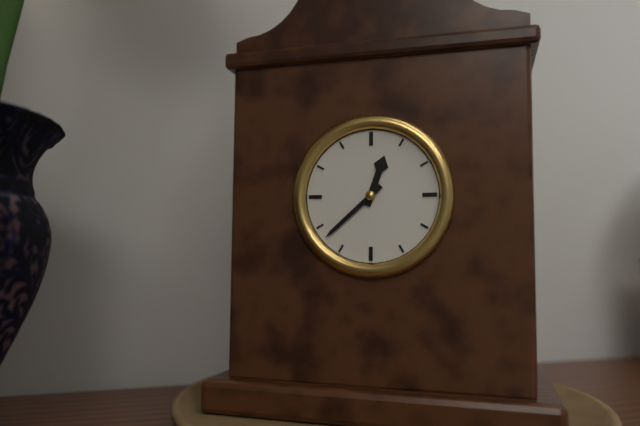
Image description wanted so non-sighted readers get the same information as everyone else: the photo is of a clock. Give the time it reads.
12:38
